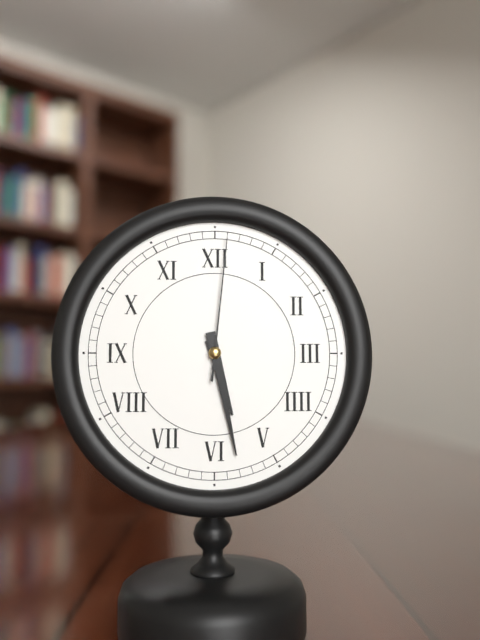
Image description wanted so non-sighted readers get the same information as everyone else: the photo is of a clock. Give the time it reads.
5:28:01
